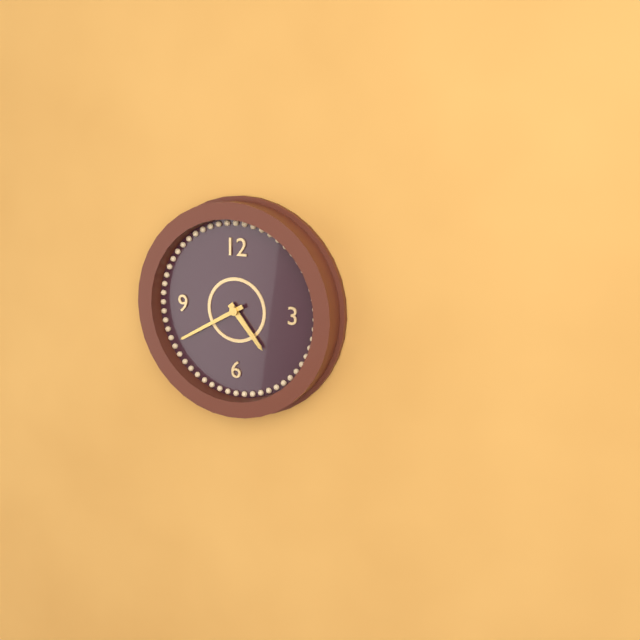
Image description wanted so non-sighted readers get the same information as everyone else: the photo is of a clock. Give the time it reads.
4:40
